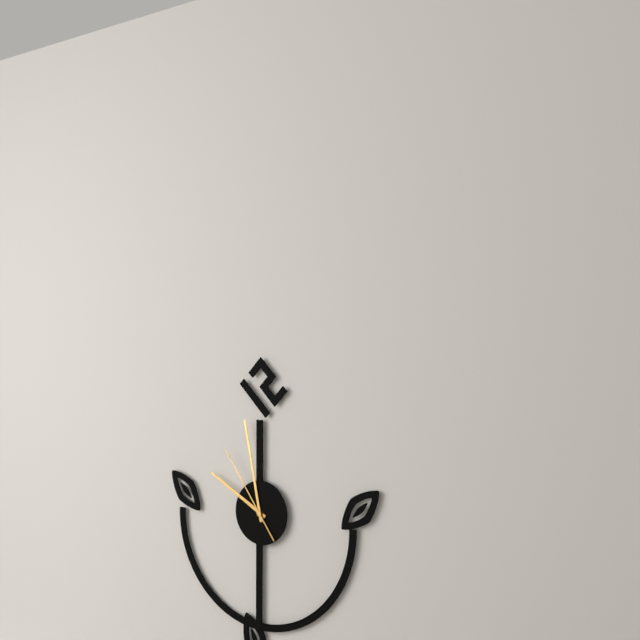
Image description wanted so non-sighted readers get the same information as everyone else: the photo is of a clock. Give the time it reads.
9:58:54
